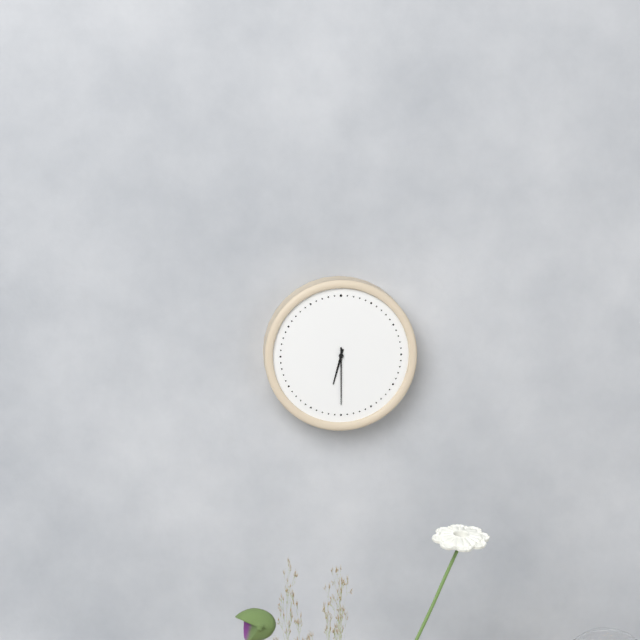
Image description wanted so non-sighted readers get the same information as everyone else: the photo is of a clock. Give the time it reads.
6:30
